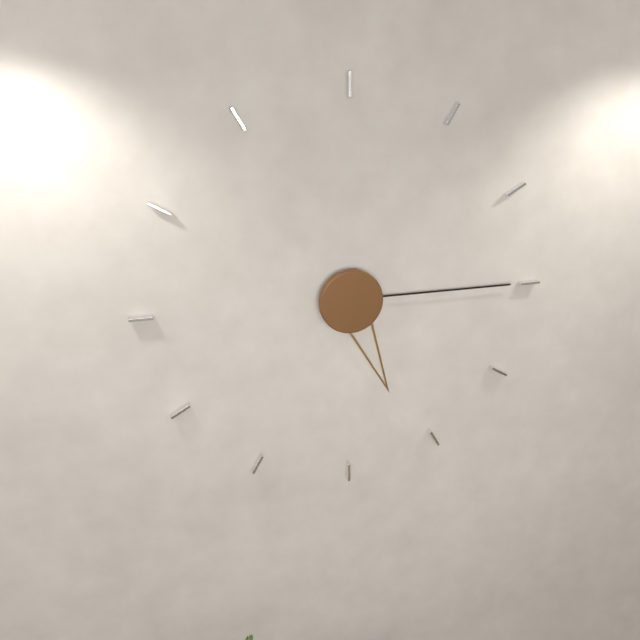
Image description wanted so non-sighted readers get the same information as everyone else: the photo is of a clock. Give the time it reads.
5:15
